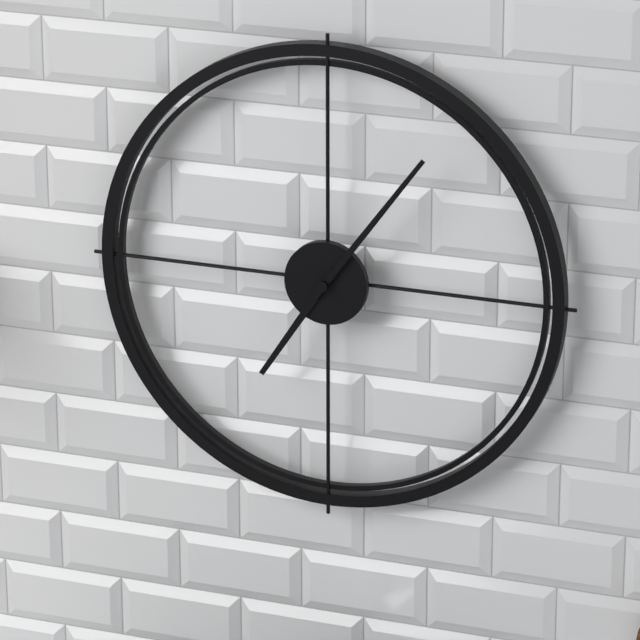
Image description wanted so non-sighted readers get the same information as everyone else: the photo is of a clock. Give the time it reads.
7:06
